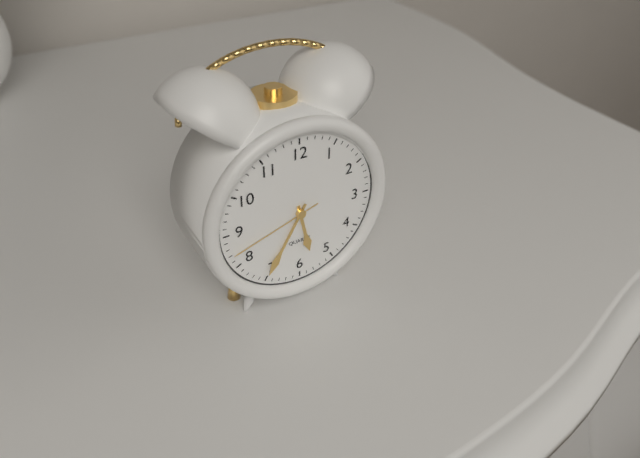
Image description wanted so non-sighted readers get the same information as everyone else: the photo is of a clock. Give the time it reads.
5:35:42
